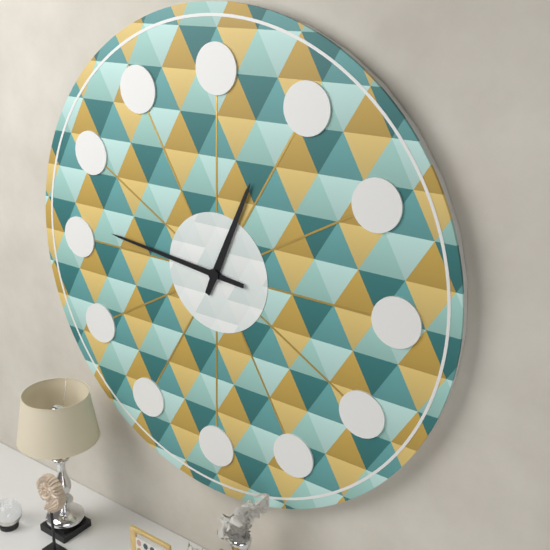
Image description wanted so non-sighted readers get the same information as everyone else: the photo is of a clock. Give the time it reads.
12:46
